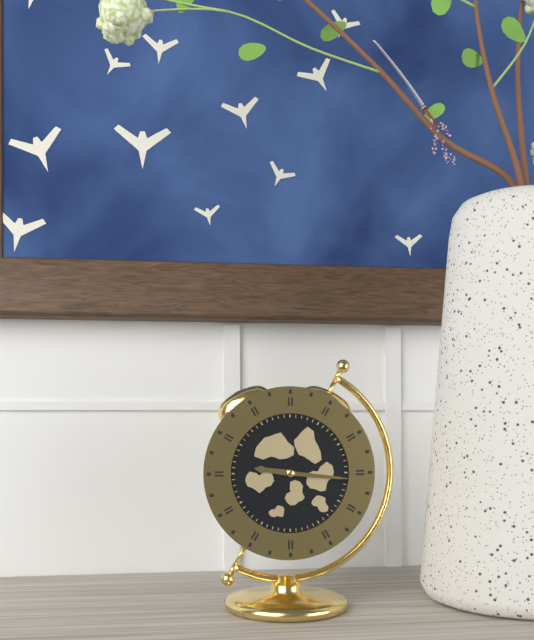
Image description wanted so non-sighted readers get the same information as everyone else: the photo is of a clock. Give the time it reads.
9:16
